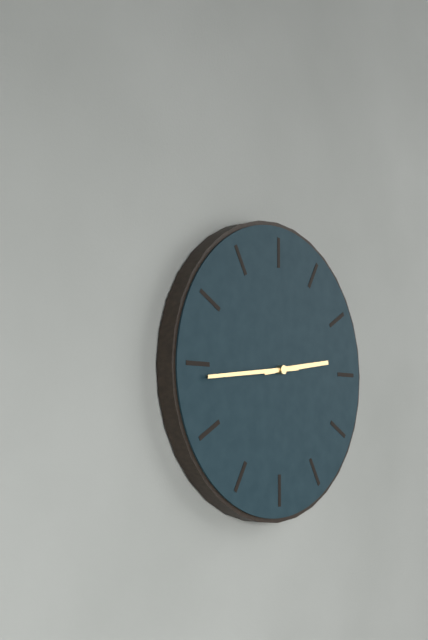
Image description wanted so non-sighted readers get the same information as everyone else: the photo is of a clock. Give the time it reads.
2:44
